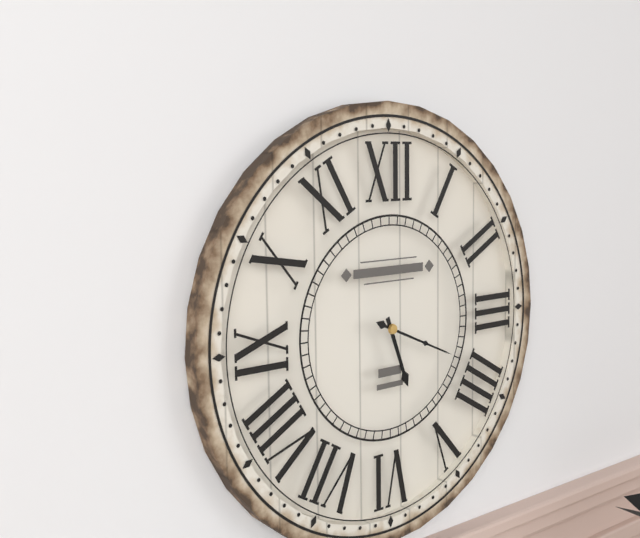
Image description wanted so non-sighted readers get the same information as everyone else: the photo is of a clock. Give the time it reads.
5:19
